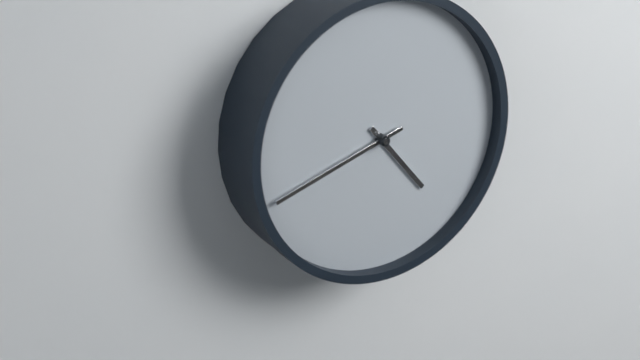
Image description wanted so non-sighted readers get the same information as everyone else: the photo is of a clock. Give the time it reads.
4:42
